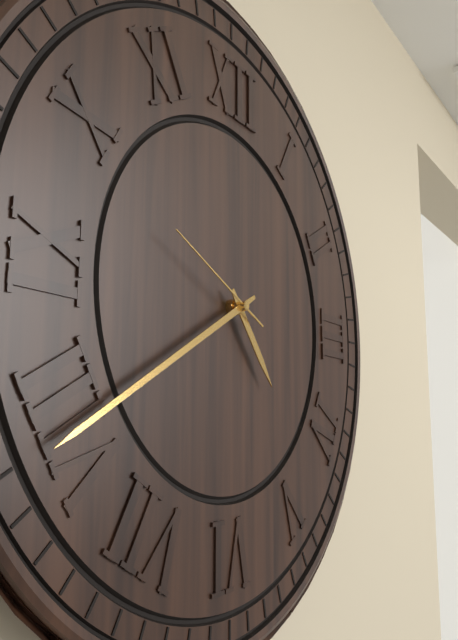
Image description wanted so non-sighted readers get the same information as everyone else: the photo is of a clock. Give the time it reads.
4:40:49
